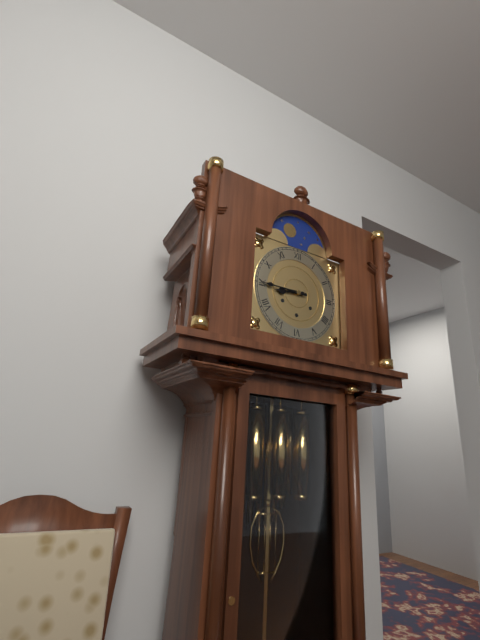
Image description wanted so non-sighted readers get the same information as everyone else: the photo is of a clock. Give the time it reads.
8:45
